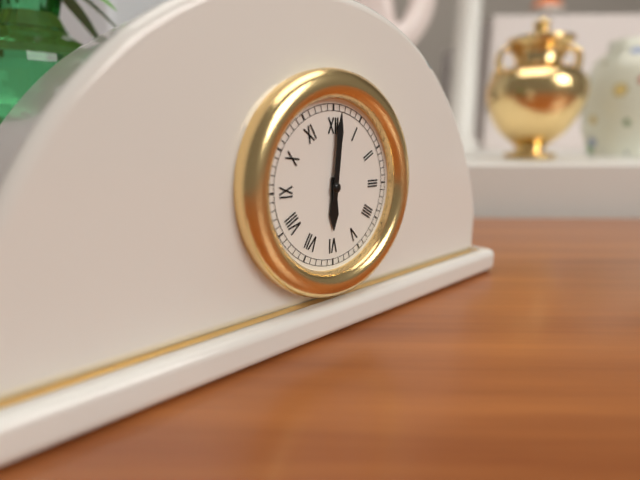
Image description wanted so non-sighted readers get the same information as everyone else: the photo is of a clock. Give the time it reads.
6:01
